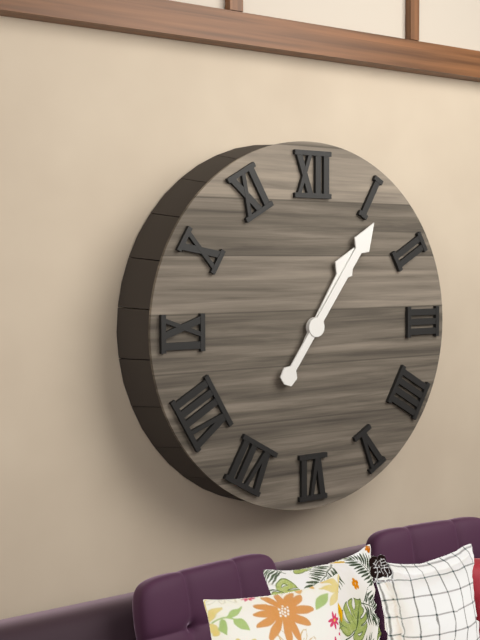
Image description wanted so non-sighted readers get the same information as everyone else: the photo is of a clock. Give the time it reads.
1:06
